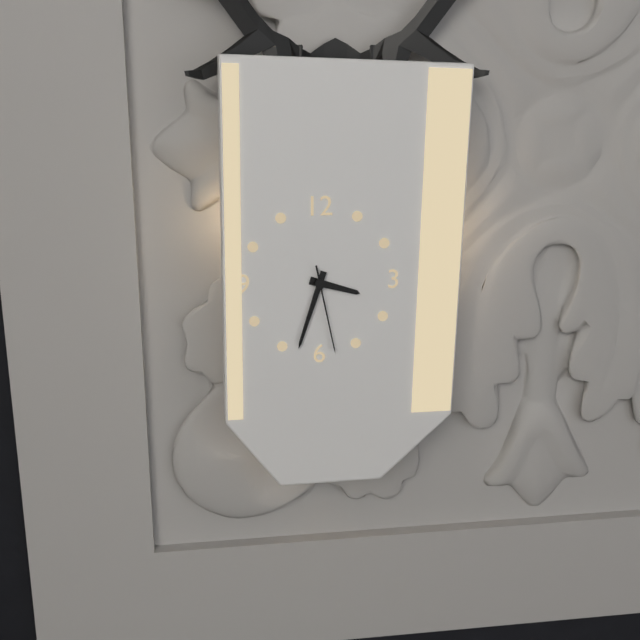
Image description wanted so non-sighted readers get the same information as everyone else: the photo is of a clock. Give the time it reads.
3:33:28
